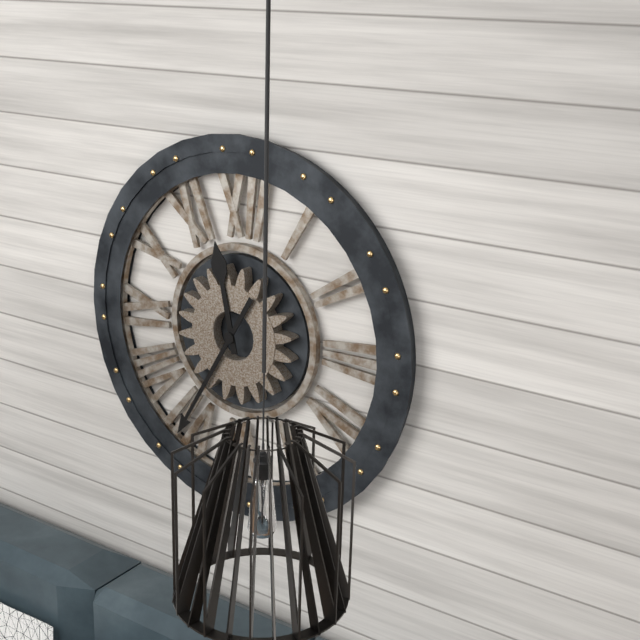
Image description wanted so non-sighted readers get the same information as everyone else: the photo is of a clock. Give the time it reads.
11:35
